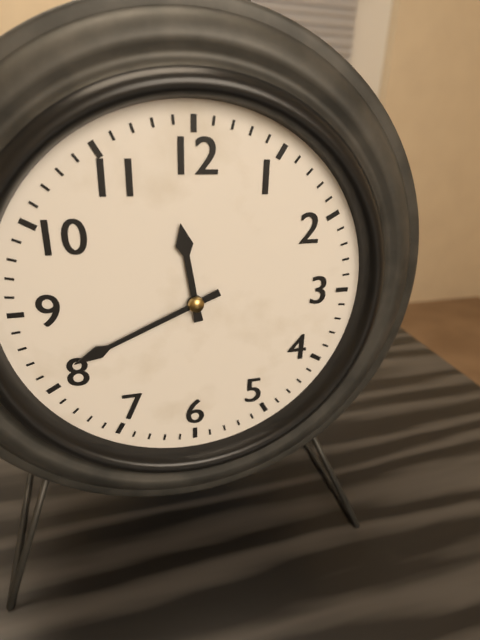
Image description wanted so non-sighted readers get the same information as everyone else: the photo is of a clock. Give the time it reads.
11:41
